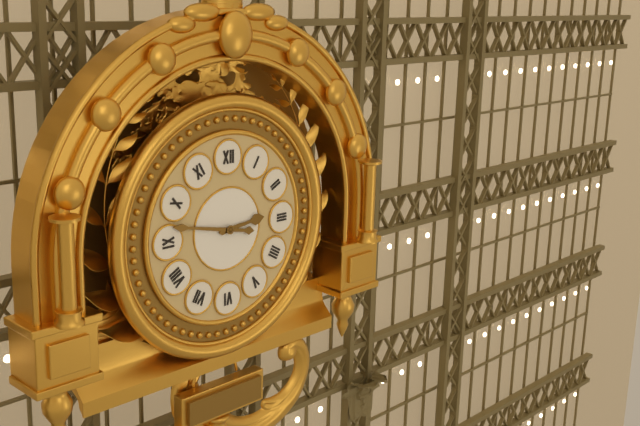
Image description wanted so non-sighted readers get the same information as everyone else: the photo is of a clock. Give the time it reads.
2:47
